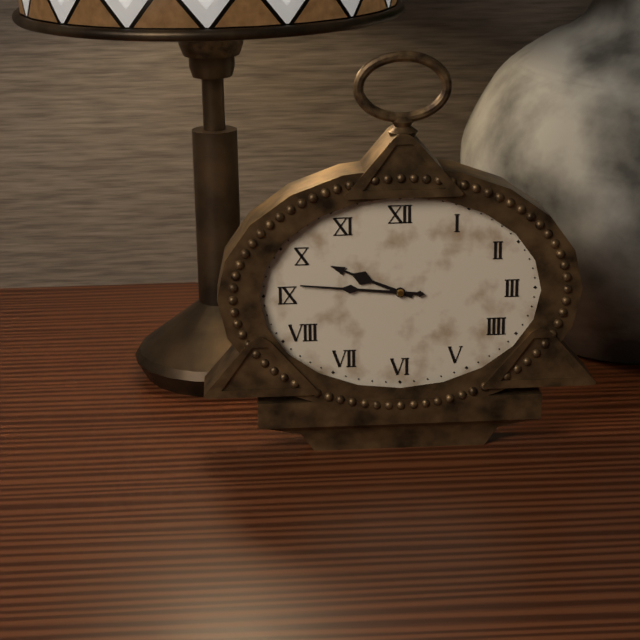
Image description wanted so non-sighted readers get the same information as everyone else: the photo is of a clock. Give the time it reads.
9:46
